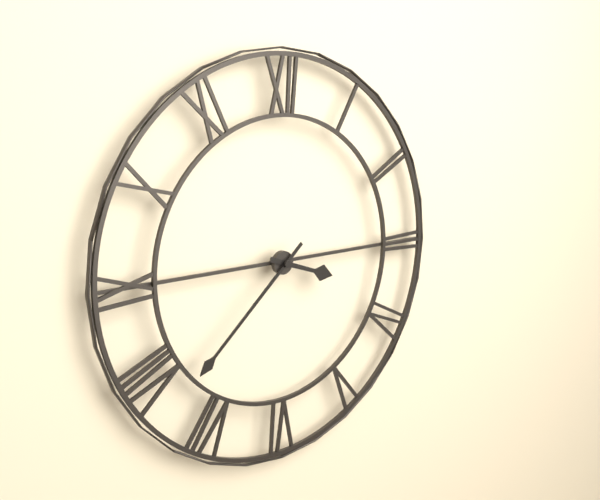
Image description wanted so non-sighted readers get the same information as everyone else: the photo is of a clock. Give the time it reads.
3:38
